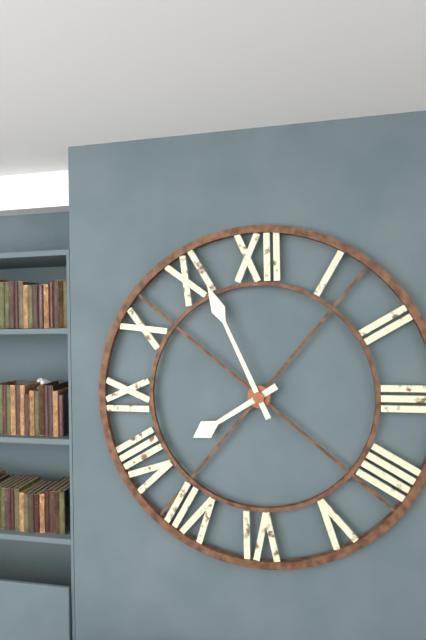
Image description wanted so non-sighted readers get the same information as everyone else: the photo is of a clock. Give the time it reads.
7:56
